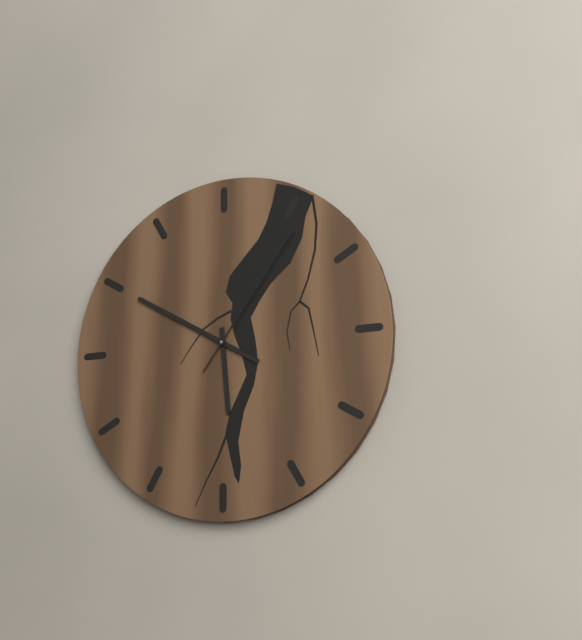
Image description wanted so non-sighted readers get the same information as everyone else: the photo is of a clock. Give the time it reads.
5:50:06
